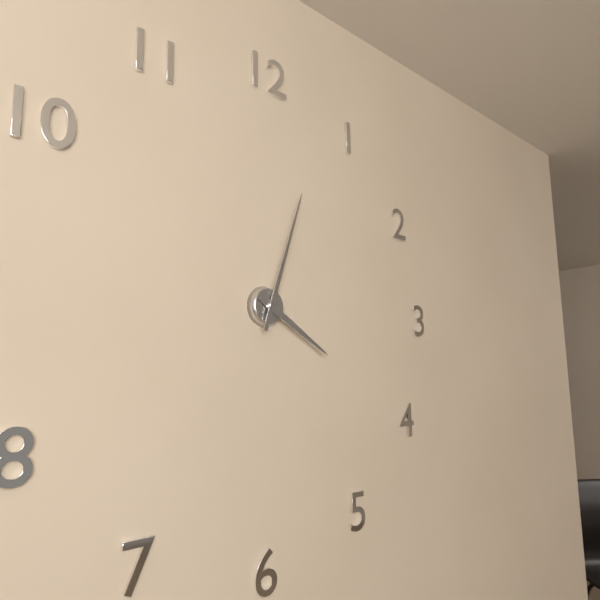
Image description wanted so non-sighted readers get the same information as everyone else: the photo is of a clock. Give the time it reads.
4:03
